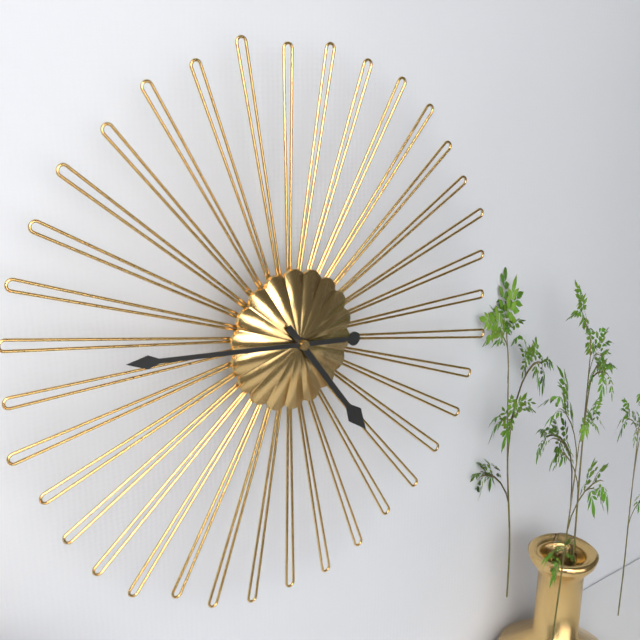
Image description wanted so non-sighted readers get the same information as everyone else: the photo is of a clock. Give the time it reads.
4:46
